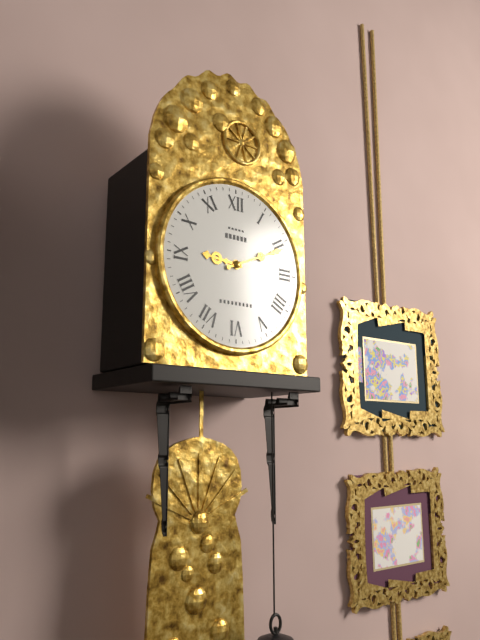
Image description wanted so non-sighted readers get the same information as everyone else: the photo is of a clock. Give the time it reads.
9:11
